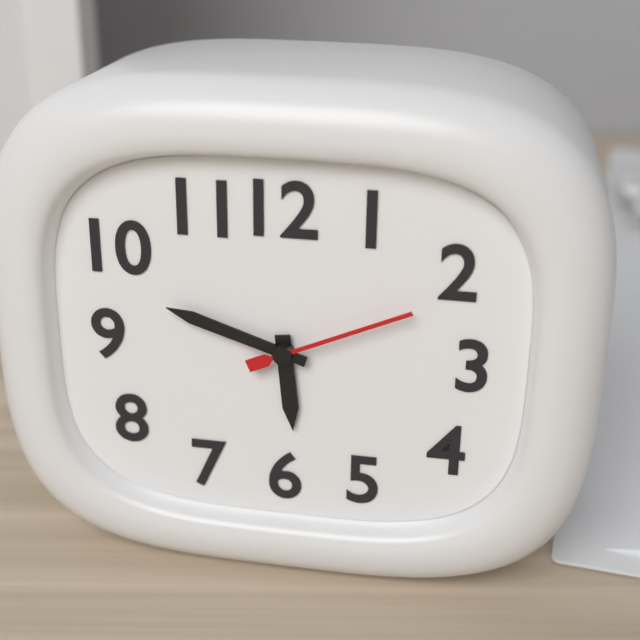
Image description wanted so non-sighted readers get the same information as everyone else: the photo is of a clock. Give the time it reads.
5:48:11
